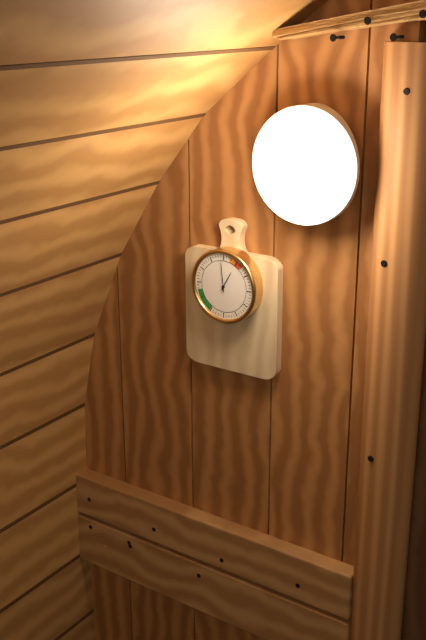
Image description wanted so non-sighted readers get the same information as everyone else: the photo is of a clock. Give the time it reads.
12:59
